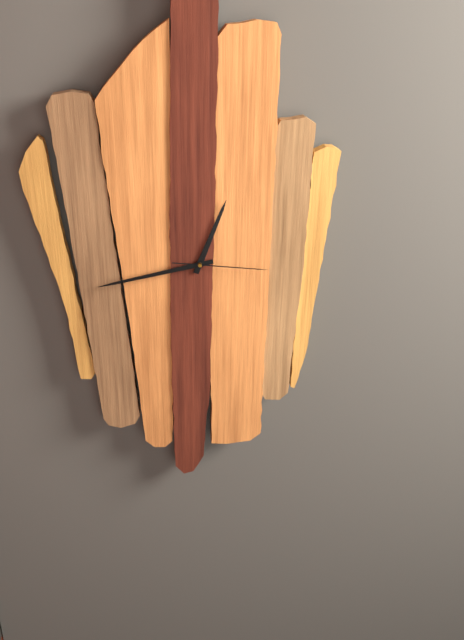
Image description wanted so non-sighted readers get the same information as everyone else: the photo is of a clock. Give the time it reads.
12:43:16
